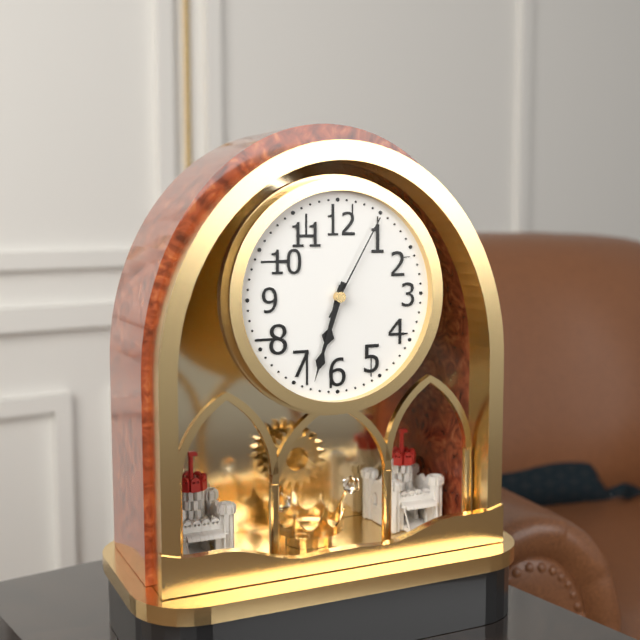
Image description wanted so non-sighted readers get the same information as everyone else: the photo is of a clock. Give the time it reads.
6:33:05
